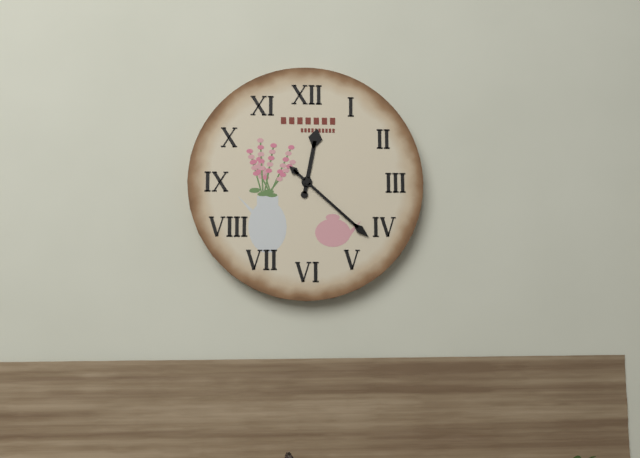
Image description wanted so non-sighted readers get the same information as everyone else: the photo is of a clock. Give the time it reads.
12:22
